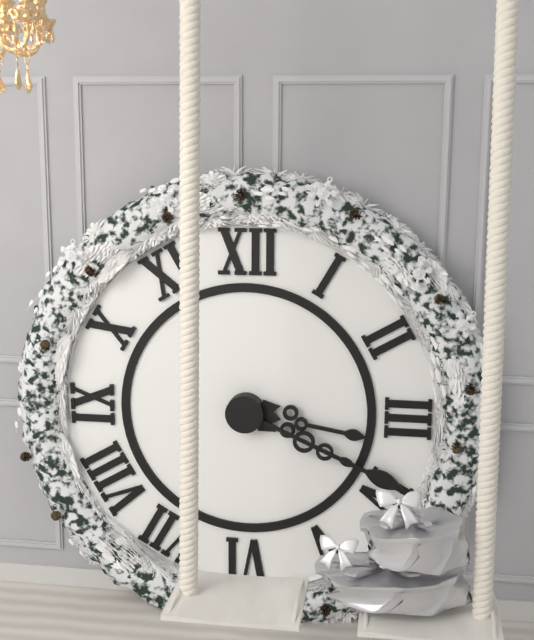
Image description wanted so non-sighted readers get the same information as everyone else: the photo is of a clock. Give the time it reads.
3:19
